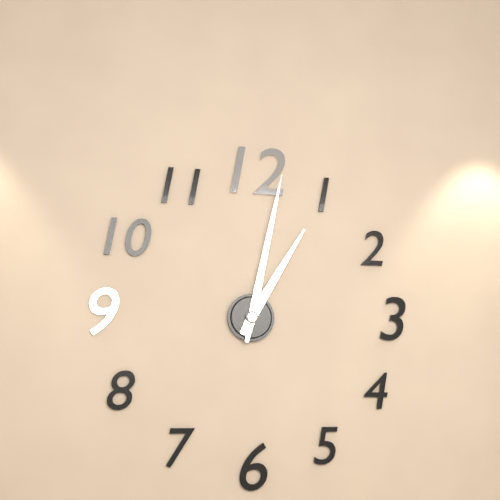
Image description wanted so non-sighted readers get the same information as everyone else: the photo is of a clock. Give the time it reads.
1:02
